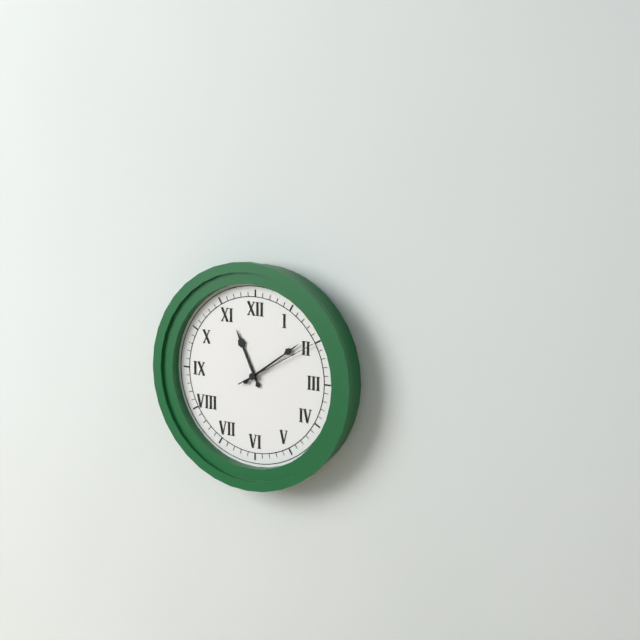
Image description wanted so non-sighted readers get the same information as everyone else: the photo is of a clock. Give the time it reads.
11:09:10
